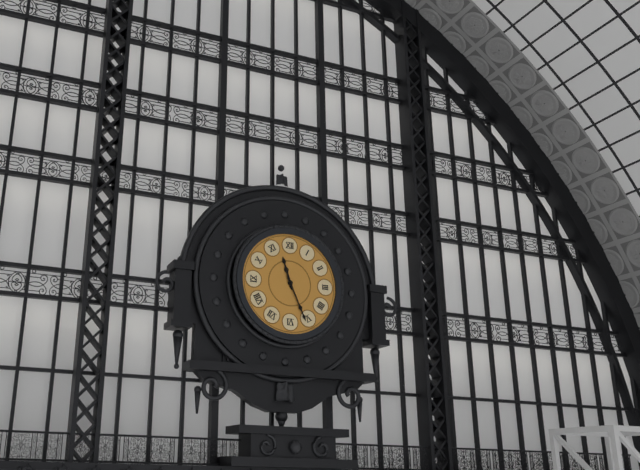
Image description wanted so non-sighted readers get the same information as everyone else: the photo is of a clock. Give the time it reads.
11:26
